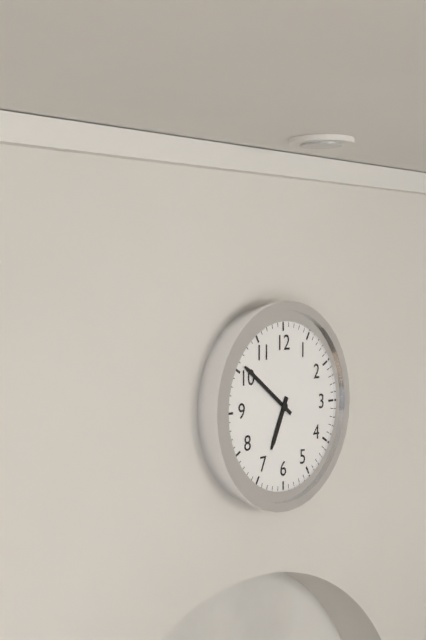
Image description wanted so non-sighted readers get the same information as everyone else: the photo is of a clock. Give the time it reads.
6:51
